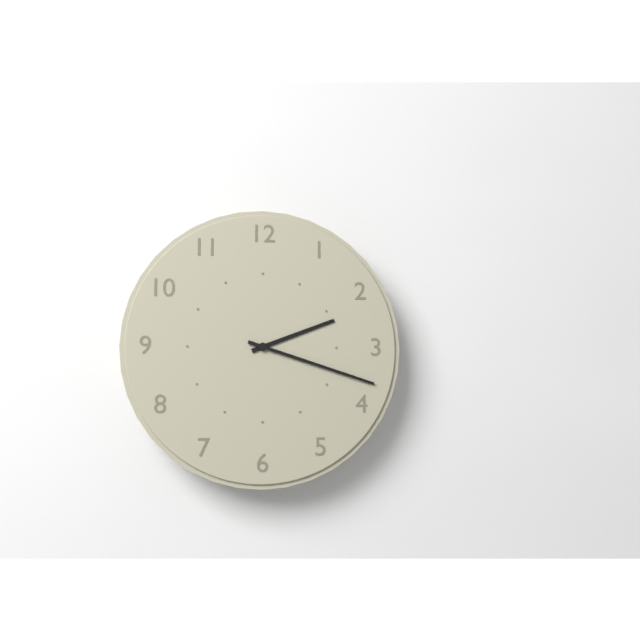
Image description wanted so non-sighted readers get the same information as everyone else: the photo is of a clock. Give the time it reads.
2:18
